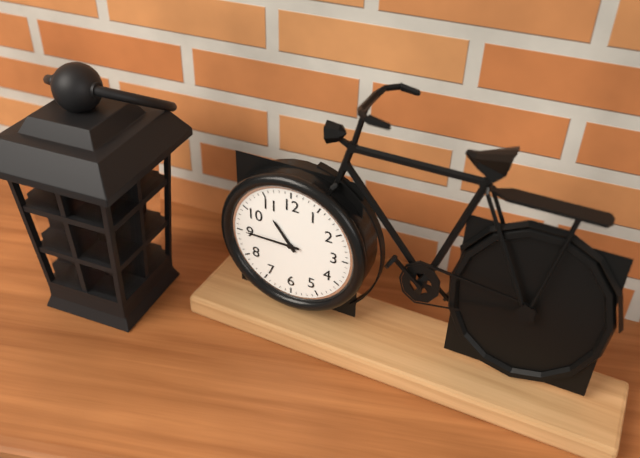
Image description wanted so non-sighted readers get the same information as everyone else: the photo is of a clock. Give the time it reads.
10:45
